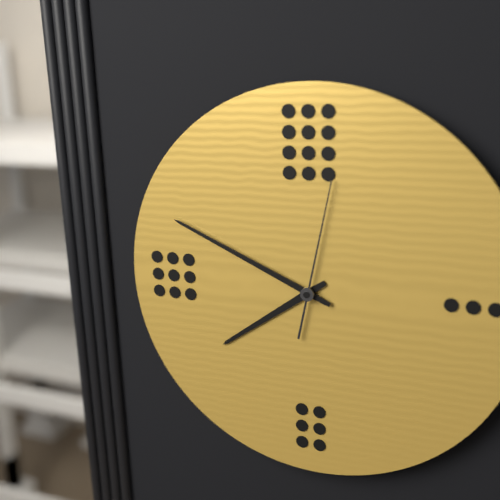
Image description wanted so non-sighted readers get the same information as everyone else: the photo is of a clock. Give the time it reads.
7:49:02
